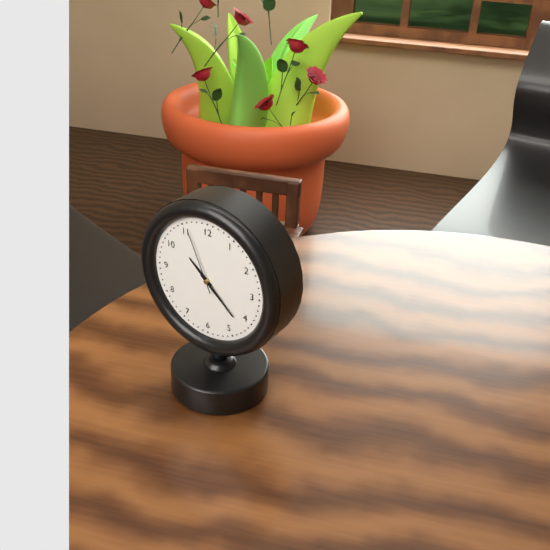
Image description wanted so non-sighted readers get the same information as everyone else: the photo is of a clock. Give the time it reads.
10:22:56
